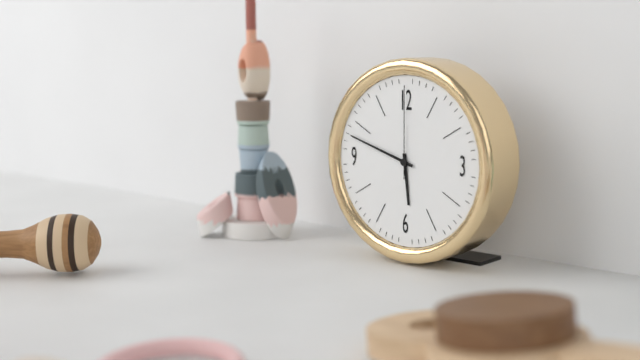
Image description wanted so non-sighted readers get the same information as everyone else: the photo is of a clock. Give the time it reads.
5:48:00
